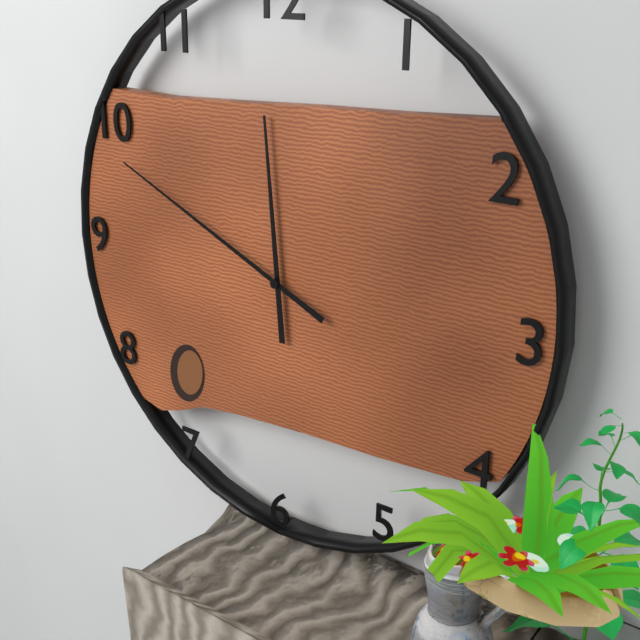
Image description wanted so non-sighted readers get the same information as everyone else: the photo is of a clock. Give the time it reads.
11:49
